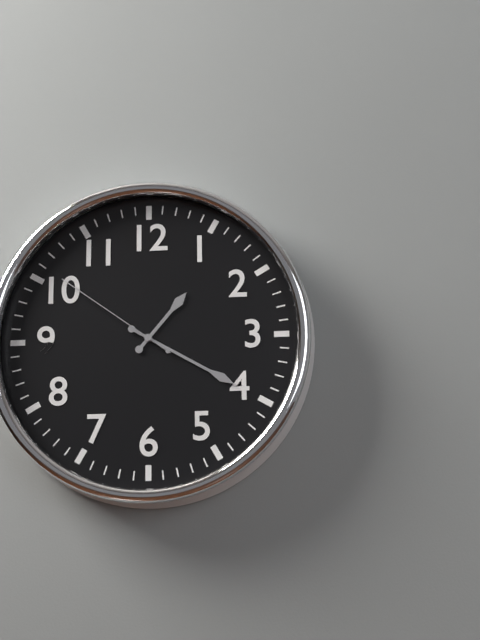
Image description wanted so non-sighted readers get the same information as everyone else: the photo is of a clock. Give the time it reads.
1:20:51
